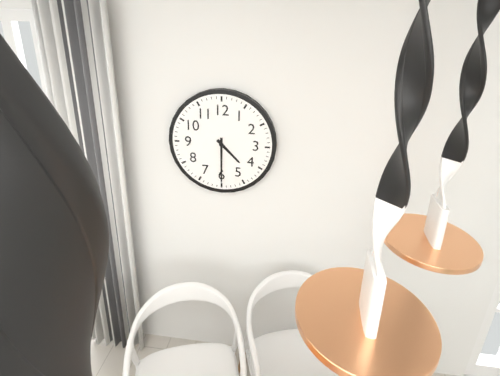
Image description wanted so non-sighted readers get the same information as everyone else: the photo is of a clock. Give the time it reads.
4:30
